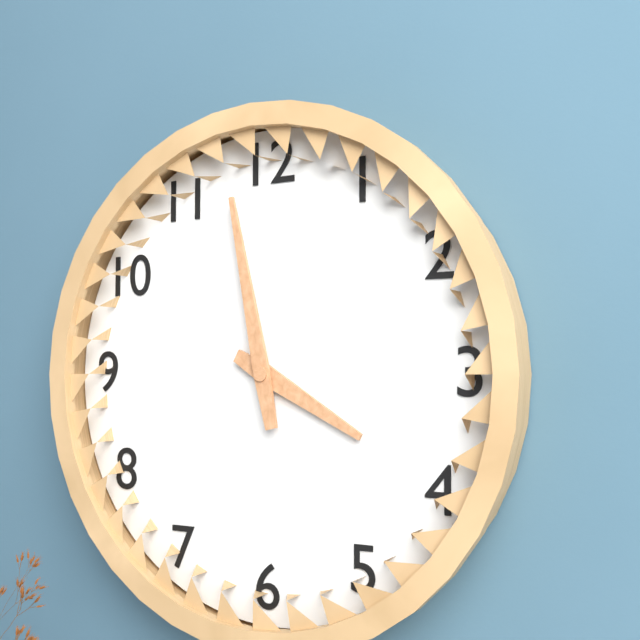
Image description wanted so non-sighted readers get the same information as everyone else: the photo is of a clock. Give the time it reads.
3:58
